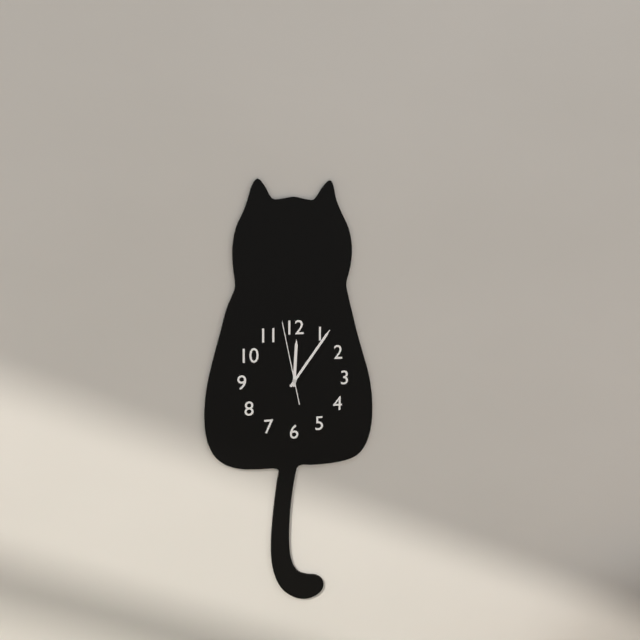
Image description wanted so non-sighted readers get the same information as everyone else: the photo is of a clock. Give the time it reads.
12:06:58
